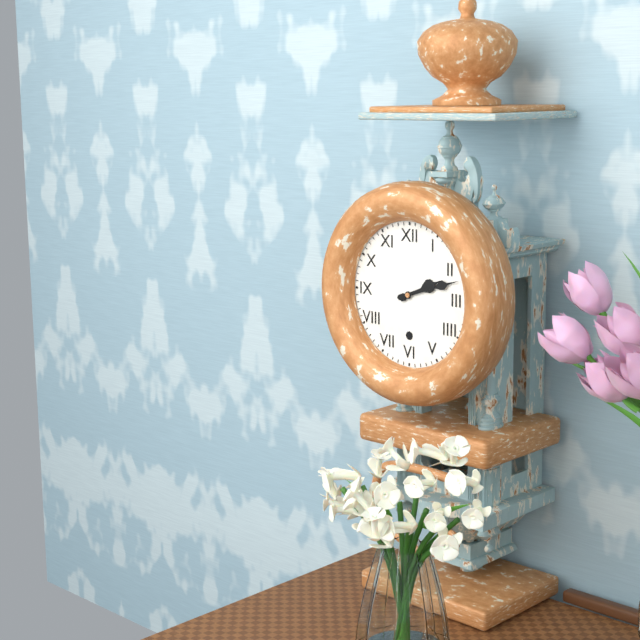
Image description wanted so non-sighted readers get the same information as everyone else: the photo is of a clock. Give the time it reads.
2:12
